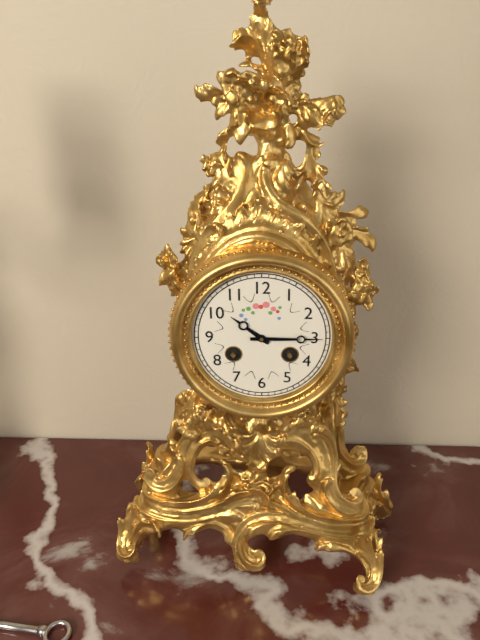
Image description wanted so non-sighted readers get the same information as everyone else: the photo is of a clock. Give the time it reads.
10:15
